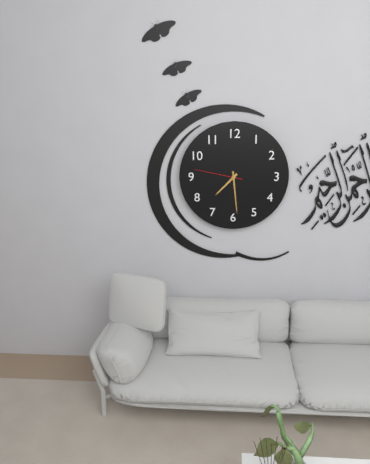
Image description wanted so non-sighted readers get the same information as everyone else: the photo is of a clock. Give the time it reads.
7:29:47
